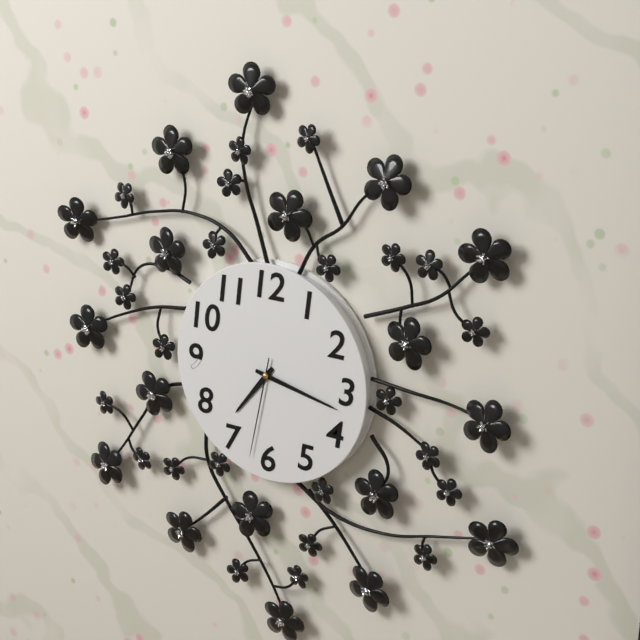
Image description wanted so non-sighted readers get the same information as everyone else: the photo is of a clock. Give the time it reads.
7:17:32
